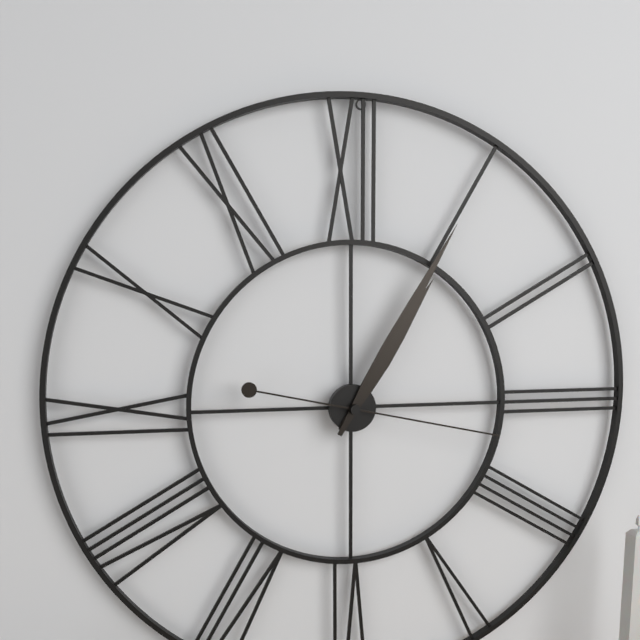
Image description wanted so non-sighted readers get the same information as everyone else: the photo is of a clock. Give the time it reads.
1:05:17
